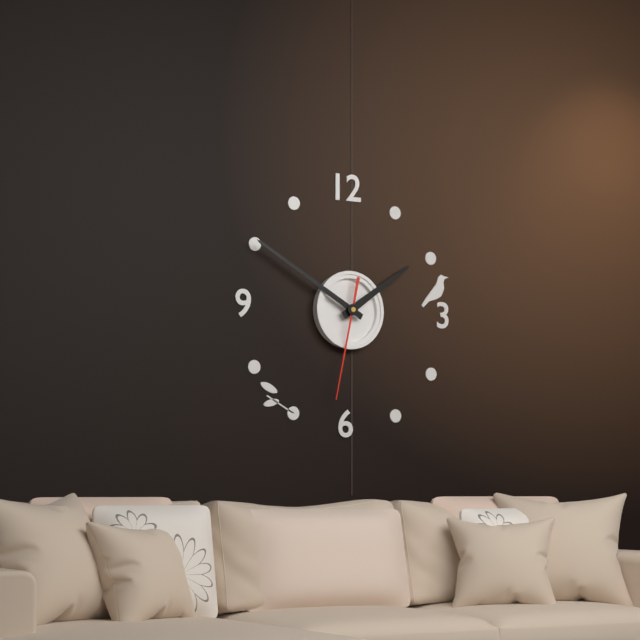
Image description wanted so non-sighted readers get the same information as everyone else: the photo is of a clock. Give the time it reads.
1:50:32
